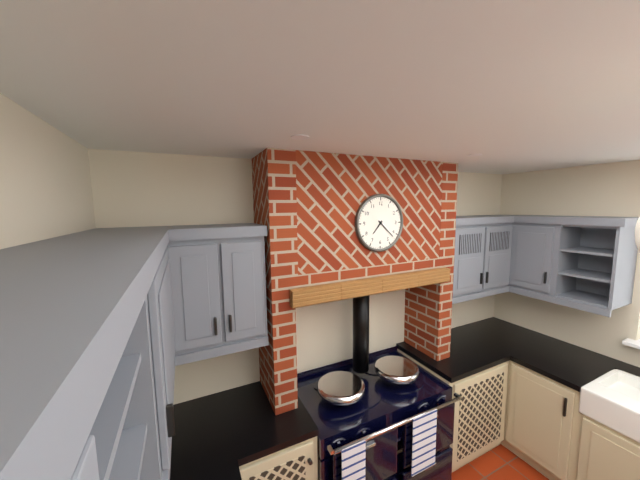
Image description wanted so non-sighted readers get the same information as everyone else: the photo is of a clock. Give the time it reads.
7:22
